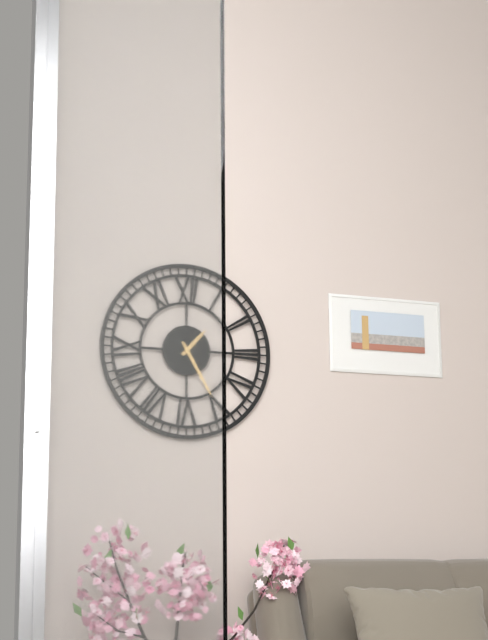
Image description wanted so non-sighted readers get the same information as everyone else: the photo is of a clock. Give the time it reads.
1:25
